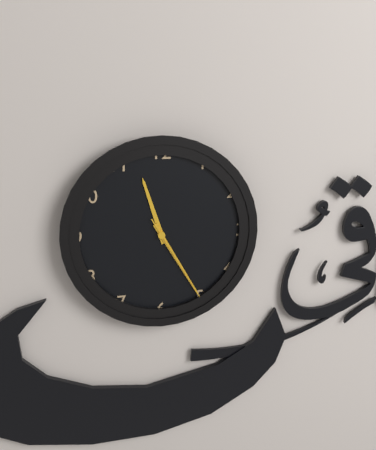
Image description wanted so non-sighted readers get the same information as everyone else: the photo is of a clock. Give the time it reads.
11:25:25
